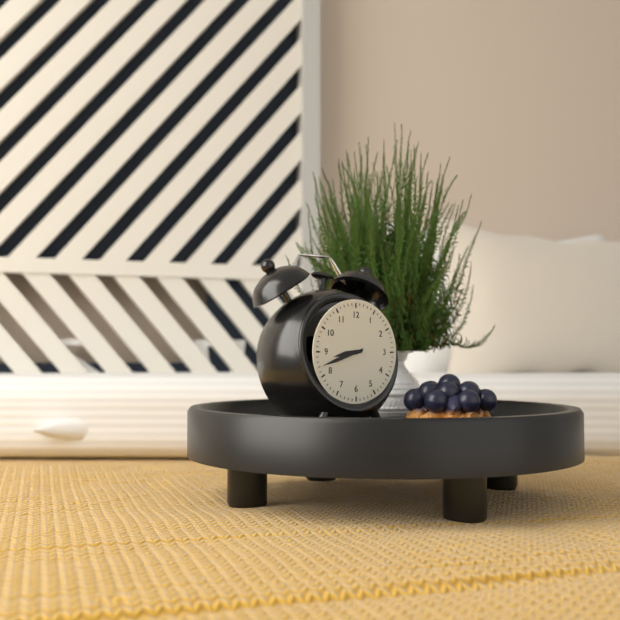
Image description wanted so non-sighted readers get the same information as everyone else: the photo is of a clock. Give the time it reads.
8:42
